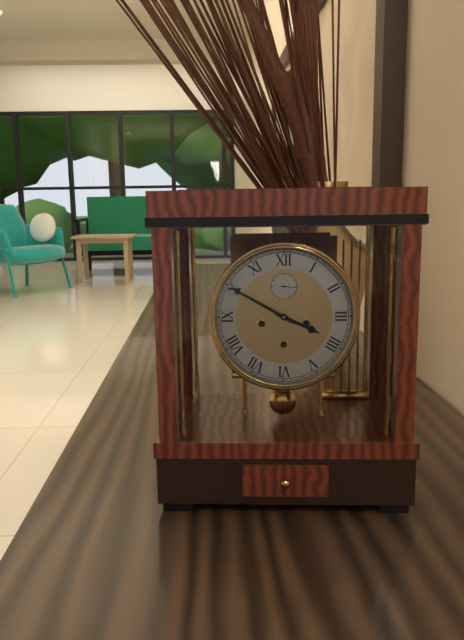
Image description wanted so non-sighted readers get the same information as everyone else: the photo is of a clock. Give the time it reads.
3:50
